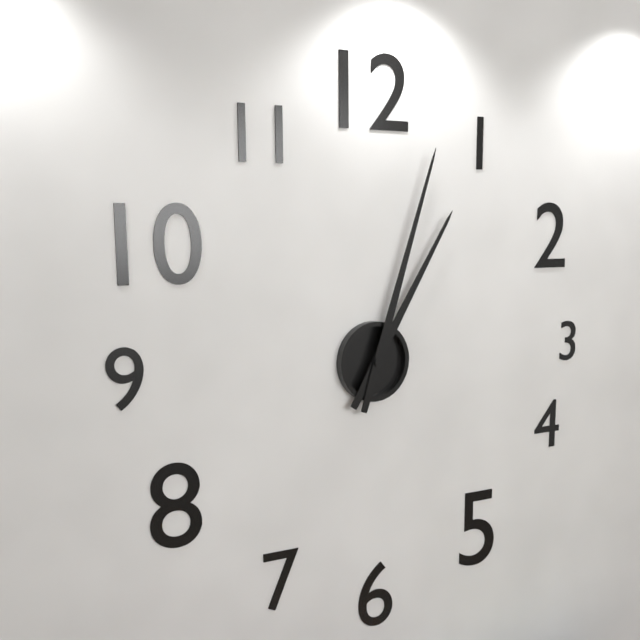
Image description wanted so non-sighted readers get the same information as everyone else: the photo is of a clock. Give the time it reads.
1:03
